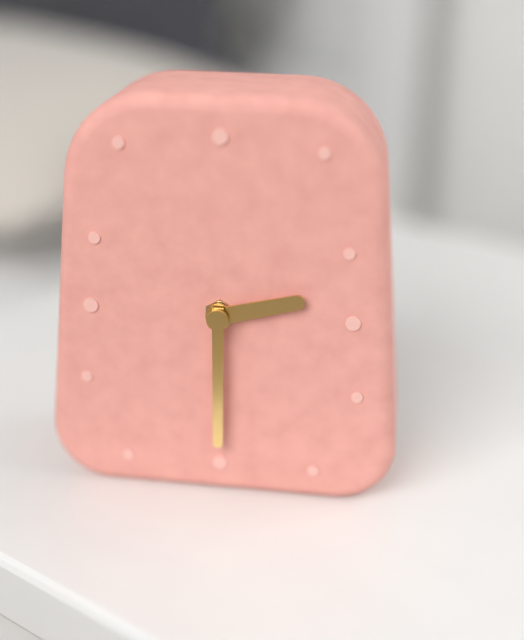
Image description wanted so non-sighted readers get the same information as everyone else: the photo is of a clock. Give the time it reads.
2:30
